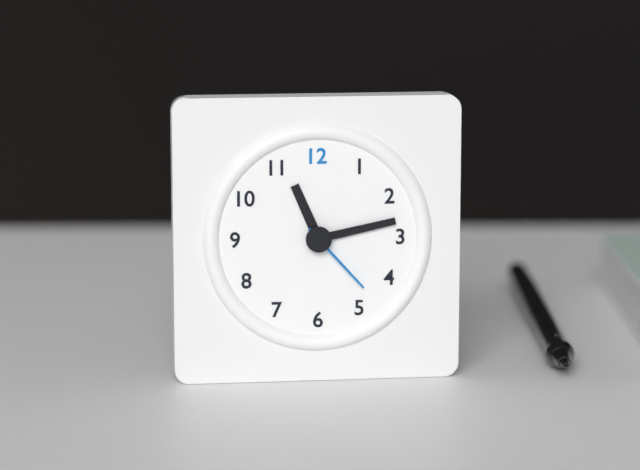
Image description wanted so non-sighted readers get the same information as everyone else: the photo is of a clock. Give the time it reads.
11:13:23
